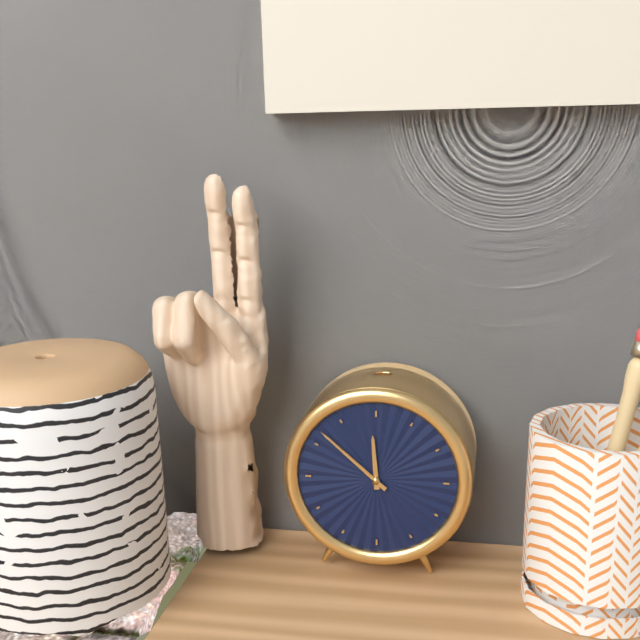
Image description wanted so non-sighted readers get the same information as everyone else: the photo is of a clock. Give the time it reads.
11:52
